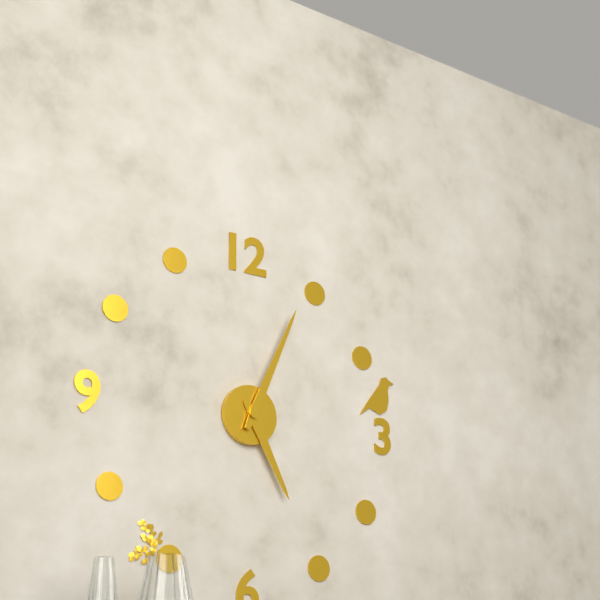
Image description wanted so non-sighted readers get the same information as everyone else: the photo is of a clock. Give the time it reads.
5:04
